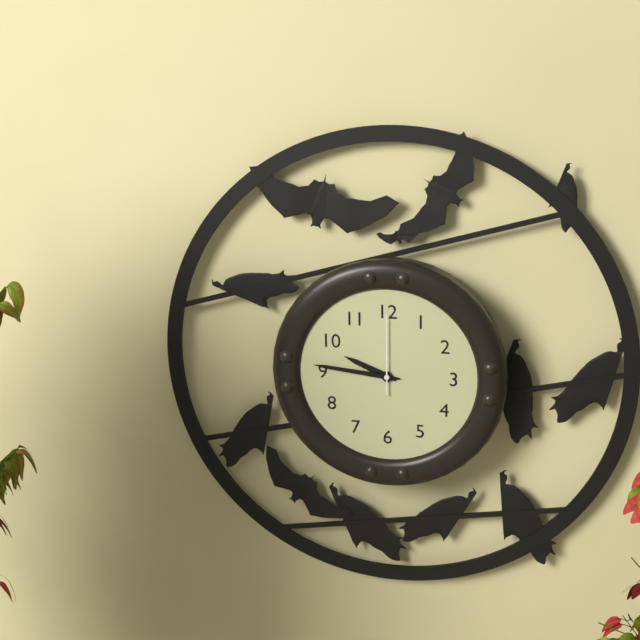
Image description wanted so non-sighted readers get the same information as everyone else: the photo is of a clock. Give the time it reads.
9:46:00
